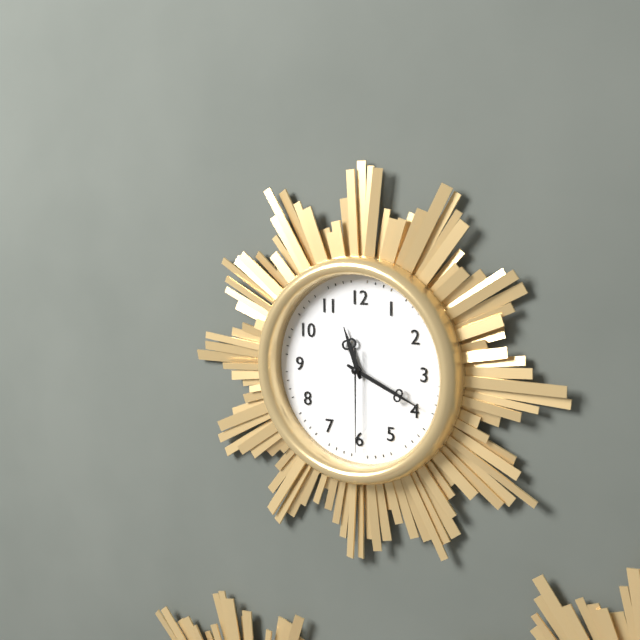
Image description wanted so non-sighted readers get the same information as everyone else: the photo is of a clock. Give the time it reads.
11:19:30
